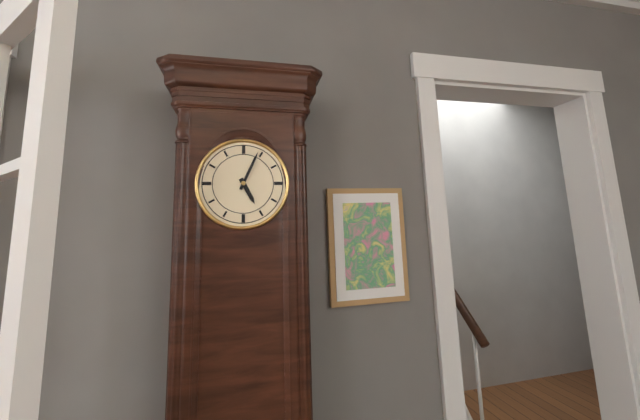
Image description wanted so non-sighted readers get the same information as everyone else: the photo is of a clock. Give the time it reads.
5:04
